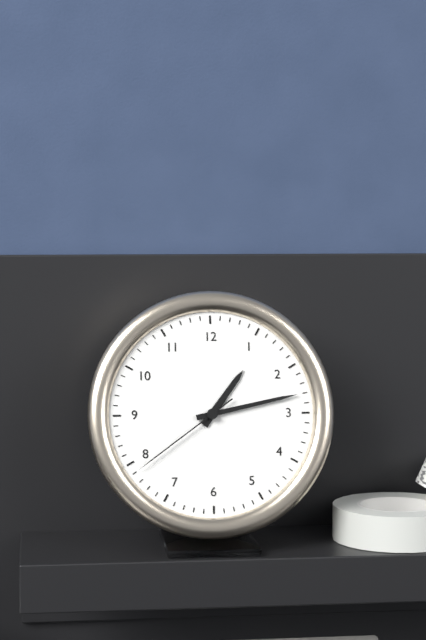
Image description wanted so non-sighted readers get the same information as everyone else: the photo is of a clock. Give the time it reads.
1:13:39
